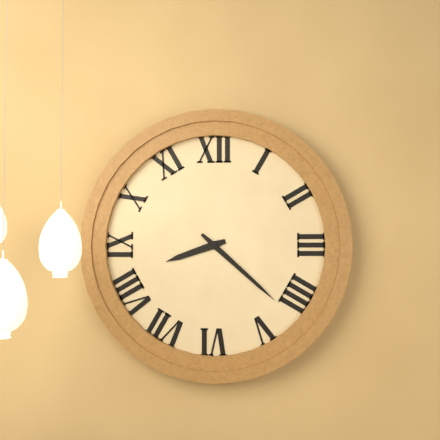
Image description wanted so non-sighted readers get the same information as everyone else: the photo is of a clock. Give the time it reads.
8:22
